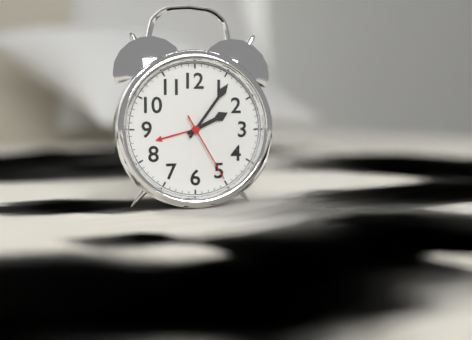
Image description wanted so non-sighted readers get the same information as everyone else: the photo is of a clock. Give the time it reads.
2:06:25
